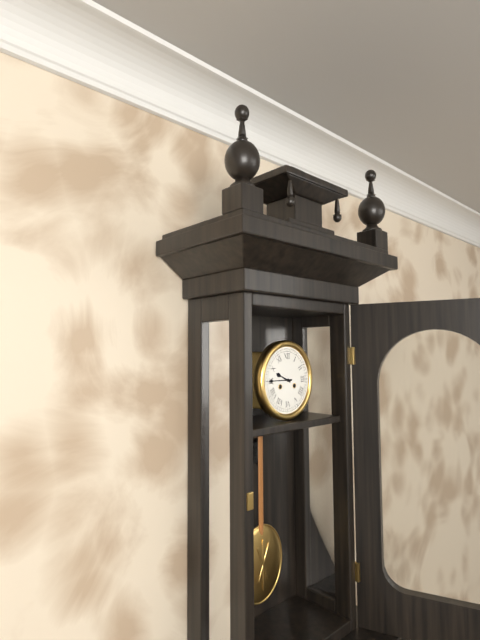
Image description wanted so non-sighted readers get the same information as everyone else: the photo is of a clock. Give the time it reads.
9:45
